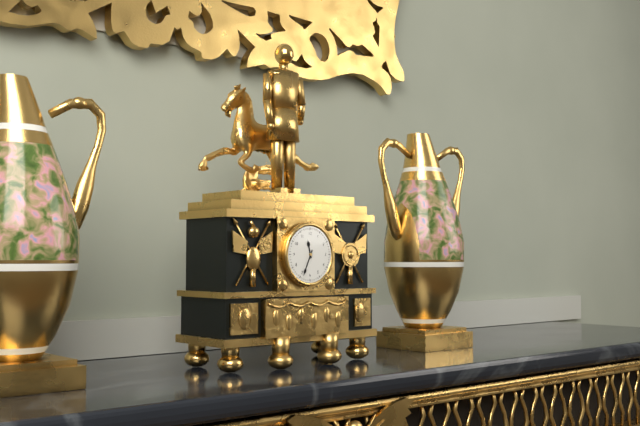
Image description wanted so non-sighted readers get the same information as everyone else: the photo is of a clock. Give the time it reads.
11:34
